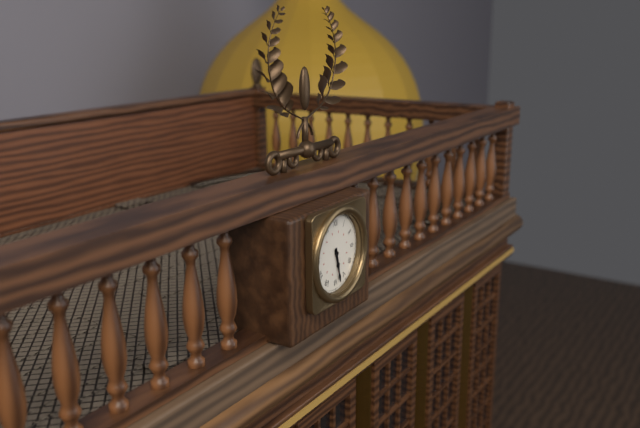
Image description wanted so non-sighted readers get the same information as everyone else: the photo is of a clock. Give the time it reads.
5:28
